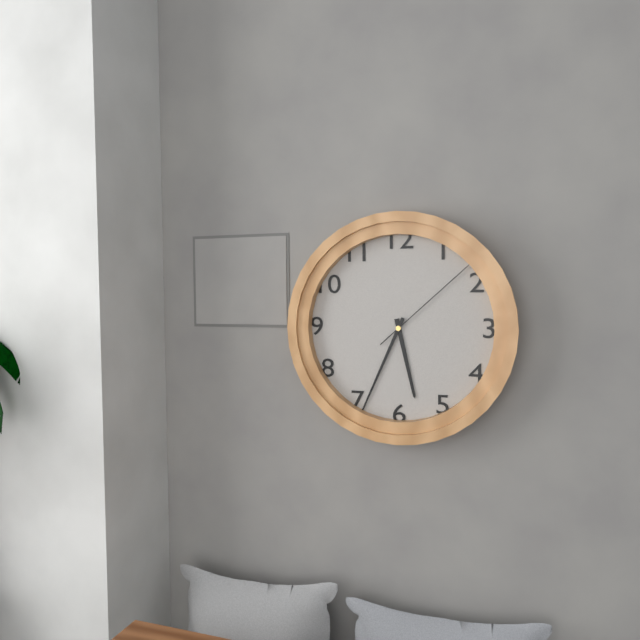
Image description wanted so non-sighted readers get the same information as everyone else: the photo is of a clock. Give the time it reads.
5:34:08
